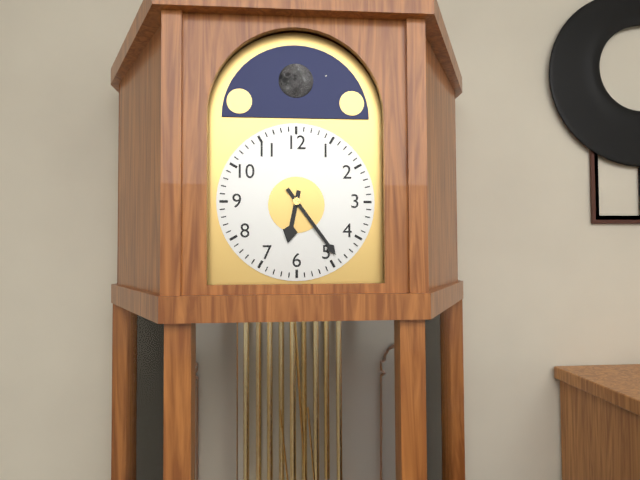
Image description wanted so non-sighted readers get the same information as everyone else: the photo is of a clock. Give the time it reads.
6:24
